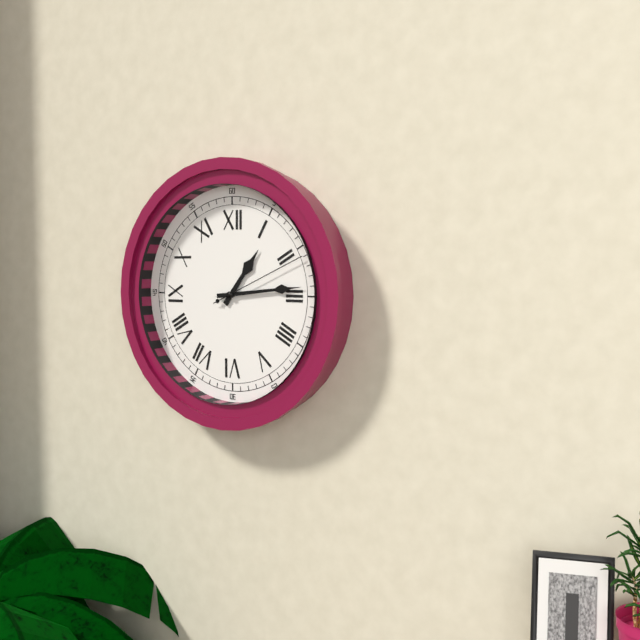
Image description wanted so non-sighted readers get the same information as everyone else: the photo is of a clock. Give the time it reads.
1:14:11
